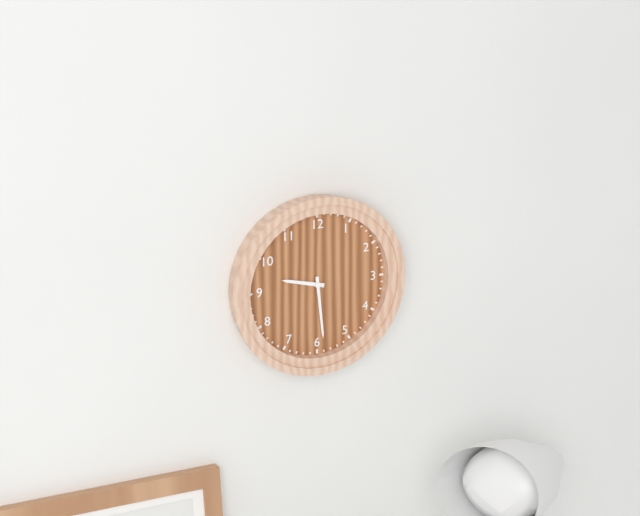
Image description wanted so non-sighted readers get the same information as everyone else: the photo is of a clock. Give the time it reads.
9:29
